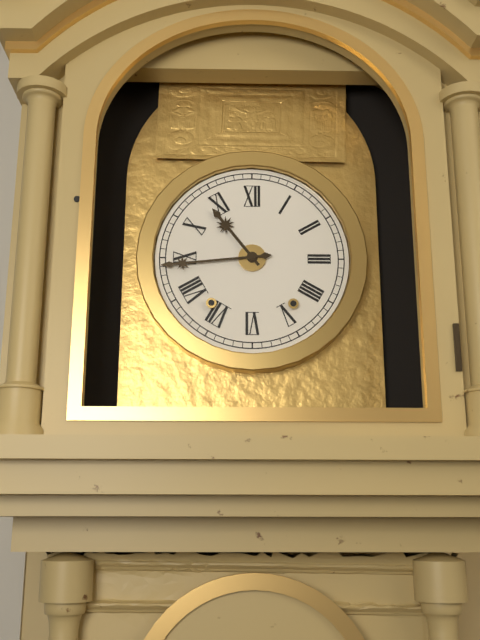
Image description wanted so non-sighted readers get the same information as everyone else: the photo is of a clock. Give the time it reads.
10:44
